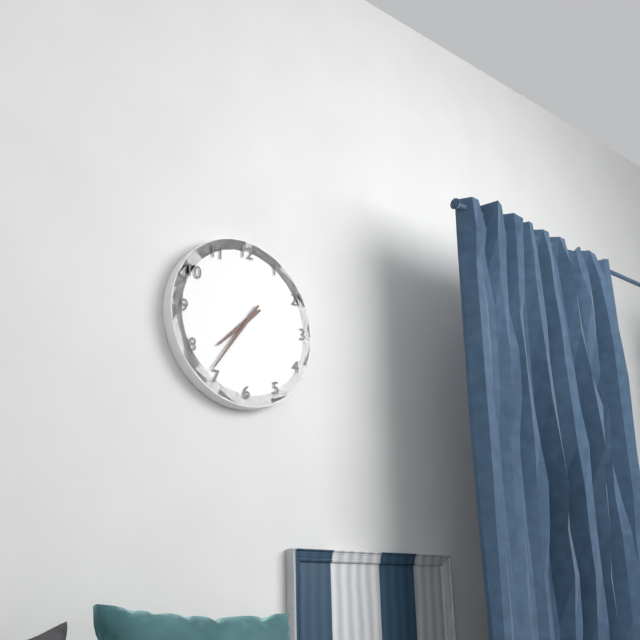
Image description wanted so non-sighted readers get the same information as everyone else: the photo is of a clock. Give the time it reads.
7:36
